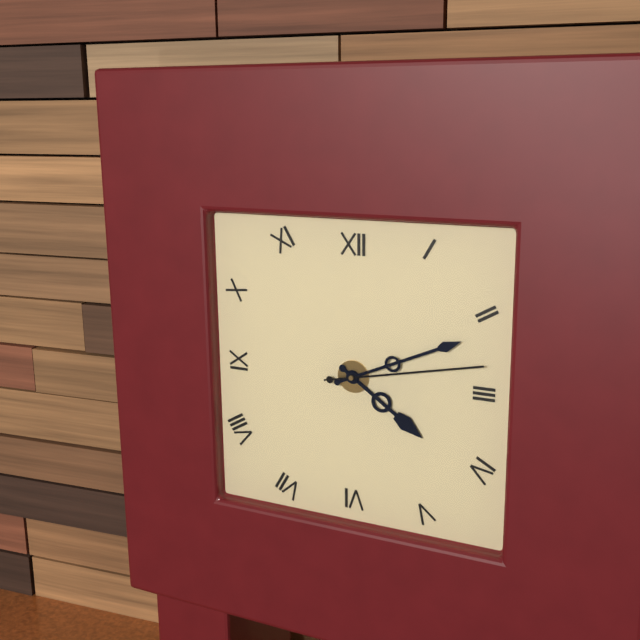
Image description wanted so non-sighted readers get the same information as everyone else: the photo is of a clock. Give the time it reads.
4:11:13
